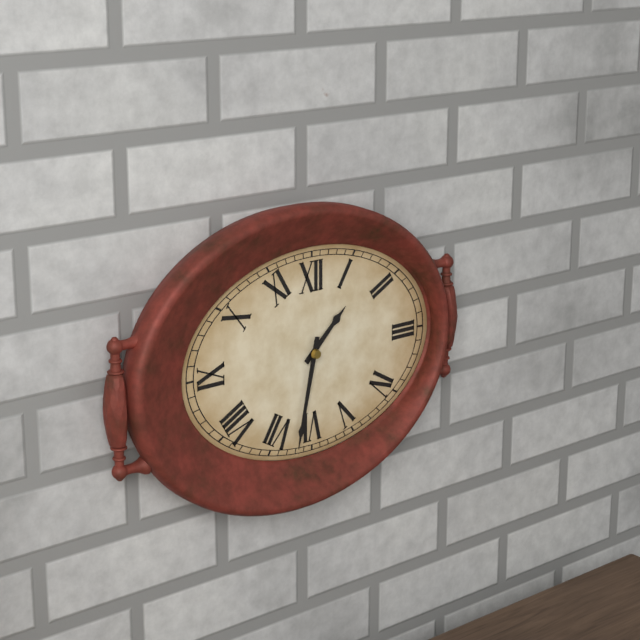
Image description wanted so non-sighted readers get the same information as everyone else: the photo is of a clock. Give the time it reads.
1:32
